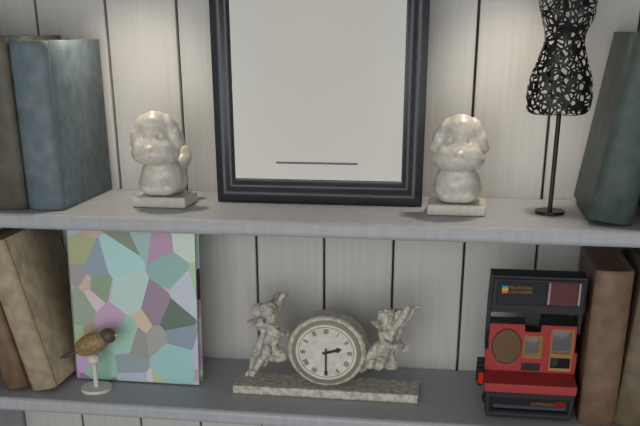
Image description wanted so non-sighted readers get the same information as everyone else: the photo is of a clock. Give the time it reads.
2:30
